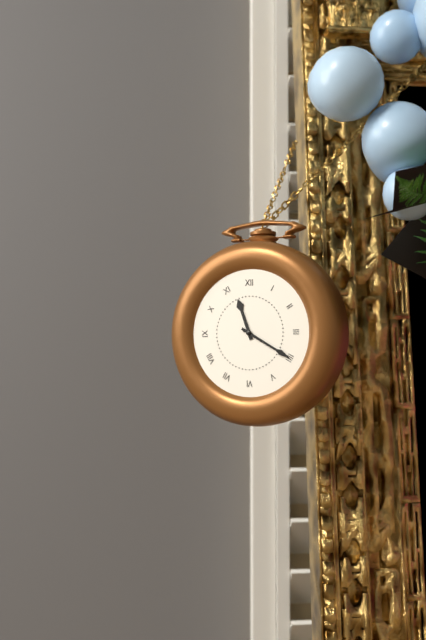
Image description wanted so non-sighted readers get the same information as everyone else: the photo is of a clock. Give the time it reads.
11:20
